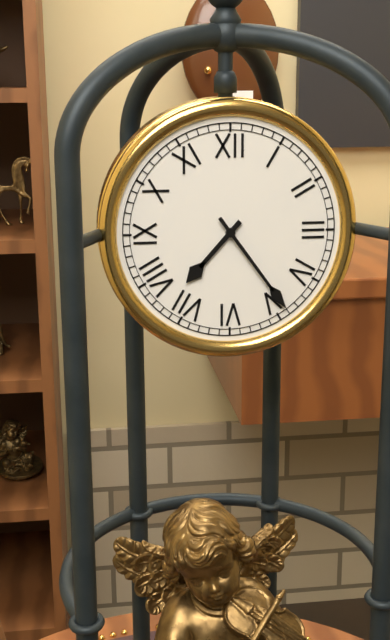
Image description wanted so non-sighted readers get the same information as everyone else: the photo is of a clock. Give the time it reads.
7:24
